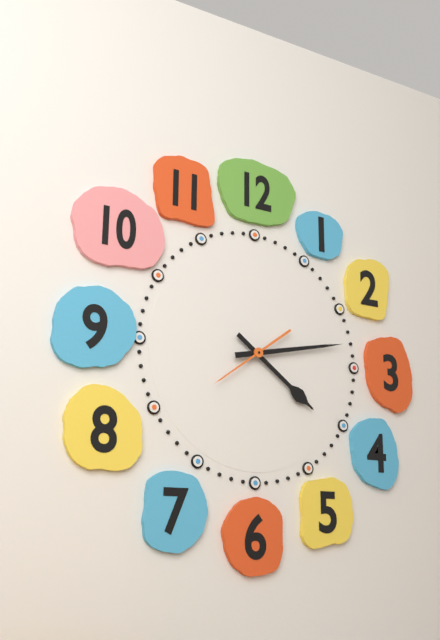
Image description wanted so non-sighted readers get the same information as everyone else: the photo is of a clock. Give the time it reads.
4:13:39
